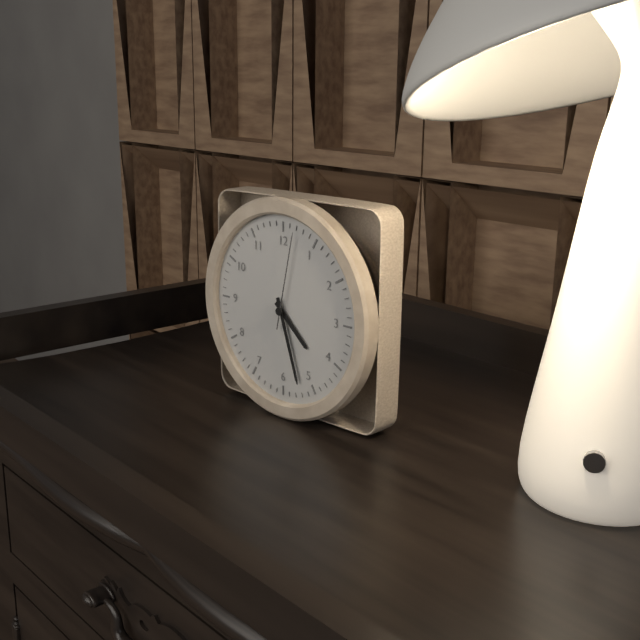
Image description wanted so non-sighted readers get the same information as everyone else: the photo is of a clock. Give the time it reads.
4:27:02
